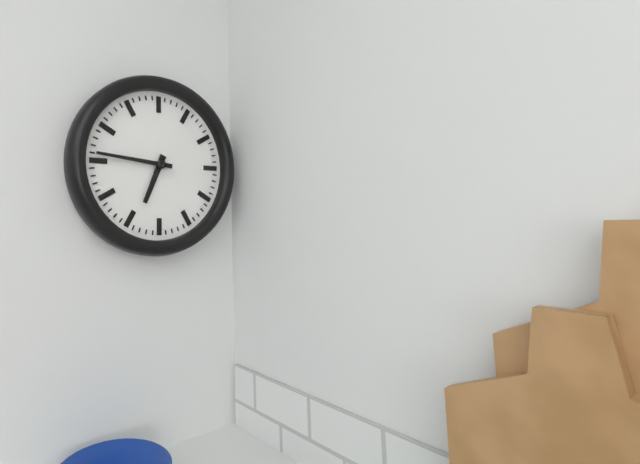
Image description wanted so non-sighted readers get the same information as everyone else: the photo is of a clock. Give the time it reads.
6:46
